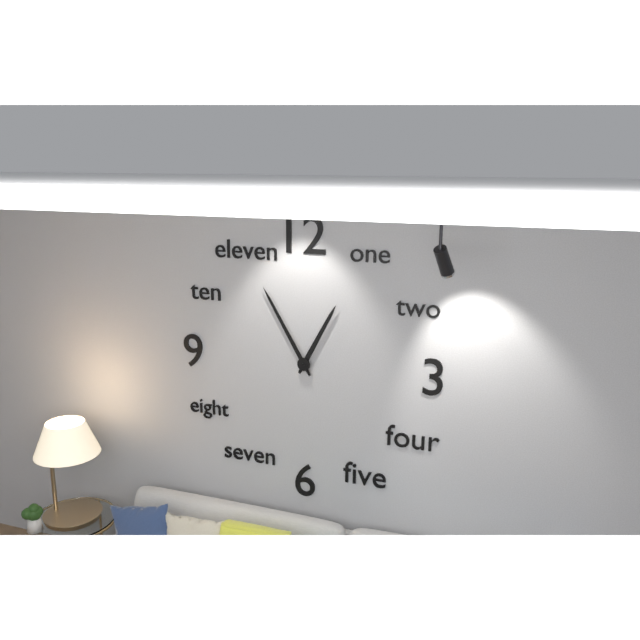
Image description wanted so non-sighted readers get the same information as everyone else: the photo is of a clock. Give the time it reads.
12:55
